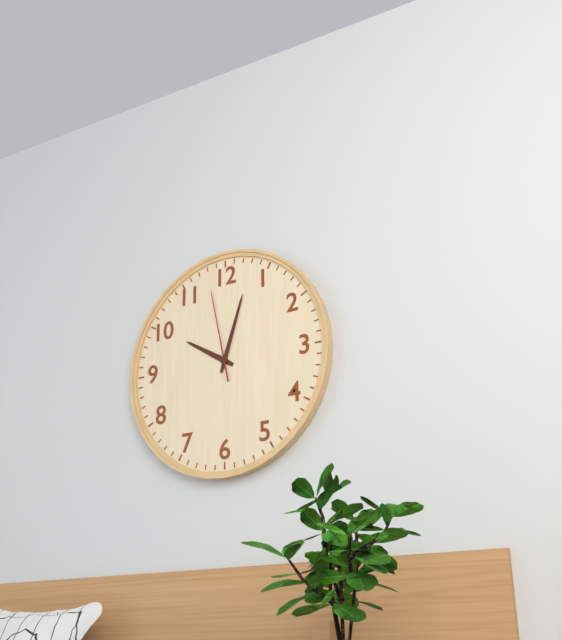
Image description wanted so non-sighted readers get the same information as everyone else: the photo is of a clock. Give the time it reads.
10:03:58
